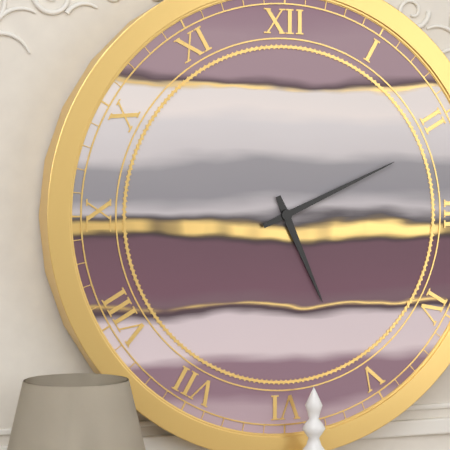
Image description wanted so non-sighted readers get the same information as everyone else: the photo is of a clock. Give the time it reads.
5:11
